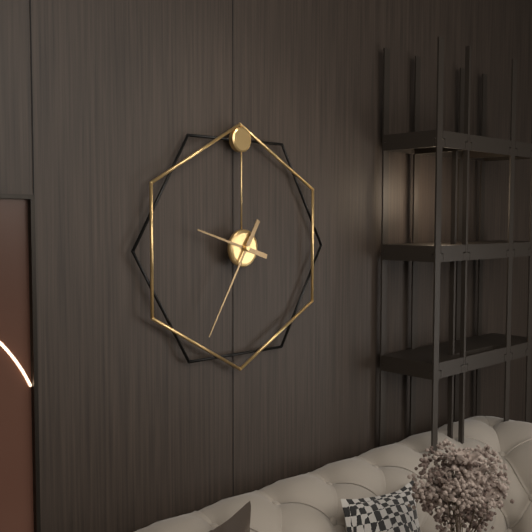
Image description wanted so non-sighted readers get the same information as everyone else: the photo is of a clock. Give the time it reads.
9:35
